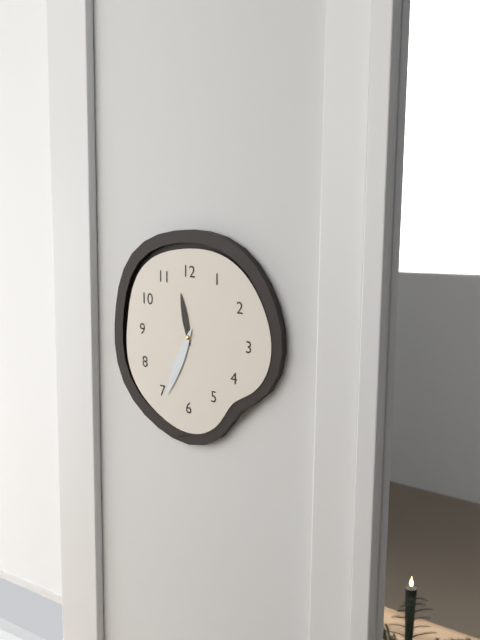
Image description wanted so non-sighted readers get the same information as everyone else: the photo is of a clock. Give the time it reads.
11:34
